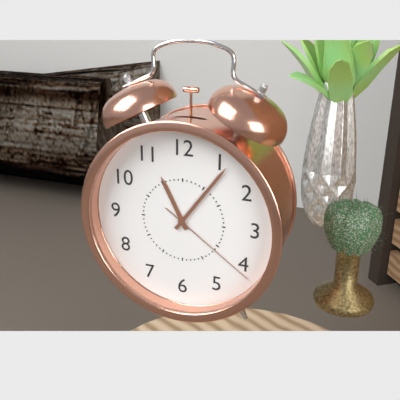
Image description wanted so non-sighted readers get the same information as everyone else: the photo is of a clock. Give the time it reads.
11:06:21
